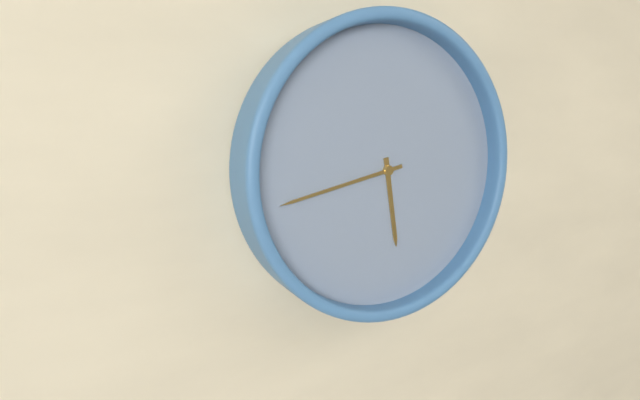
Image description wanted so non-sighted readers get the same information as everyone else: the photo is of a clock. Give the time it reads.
5:43
